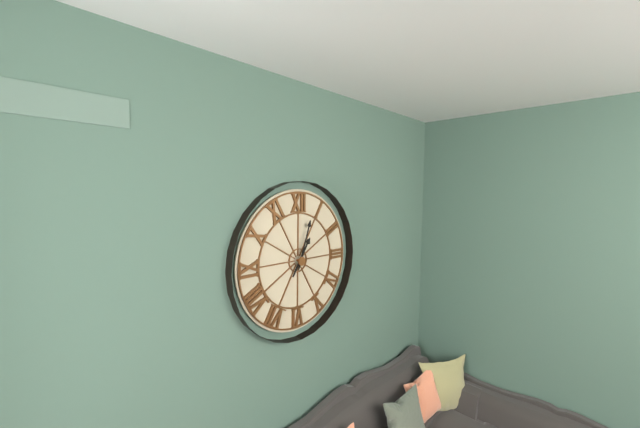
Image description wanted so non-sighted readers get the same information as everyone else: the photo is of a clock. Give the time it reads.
1:03
